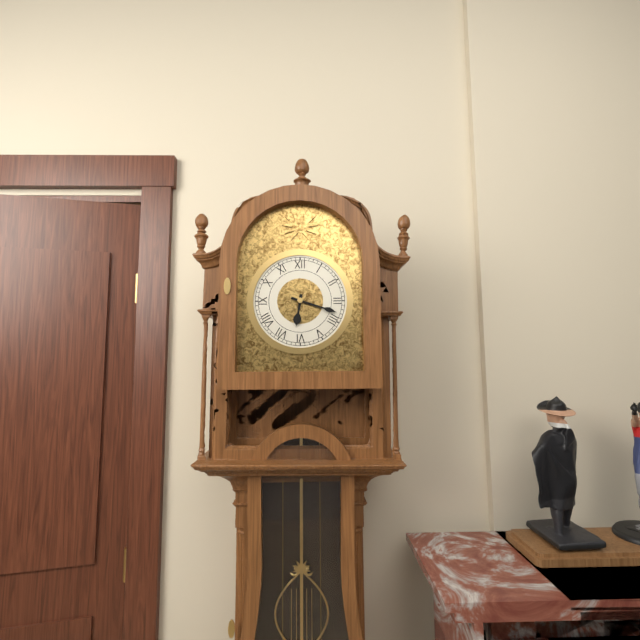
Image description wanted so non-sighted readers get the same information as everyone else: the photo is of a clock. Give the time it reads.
6:18
